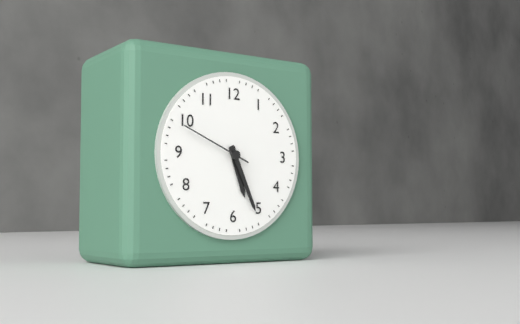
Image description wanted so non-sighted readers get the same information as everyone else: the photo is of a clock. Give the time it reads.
5:26:49
